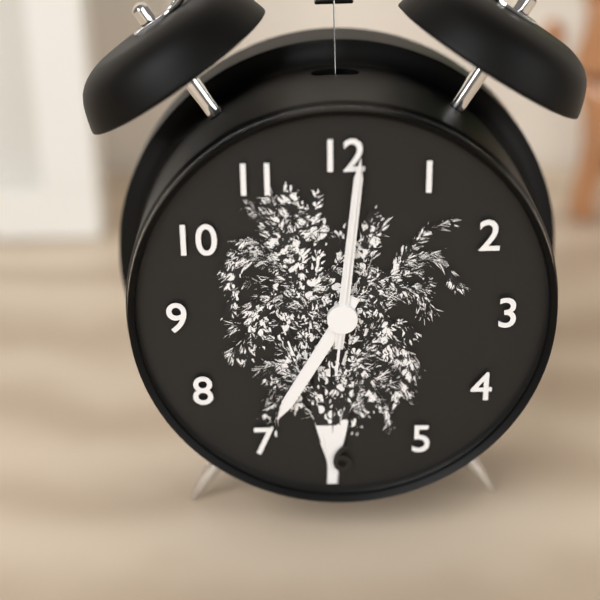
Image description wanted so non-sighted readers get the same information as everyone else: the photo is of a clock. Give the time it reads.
7:01:01
